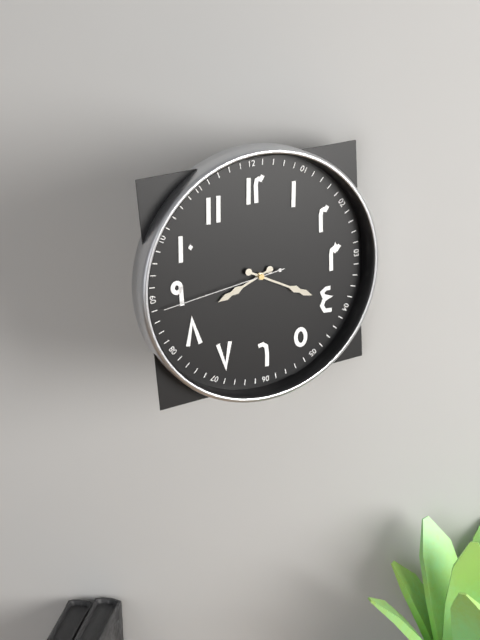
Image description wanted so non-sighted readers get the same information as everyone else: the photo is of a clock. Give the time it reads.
8:20:44
